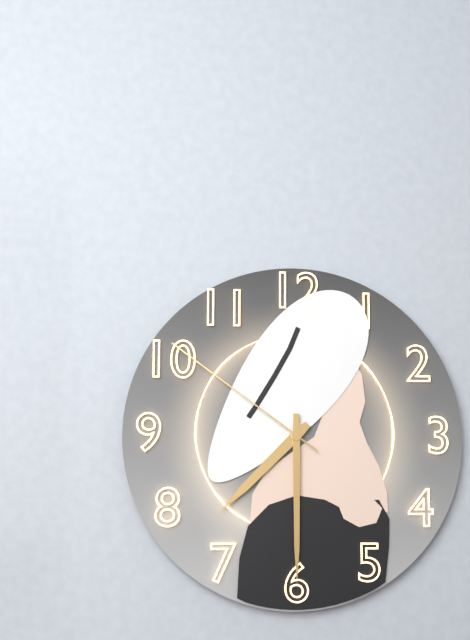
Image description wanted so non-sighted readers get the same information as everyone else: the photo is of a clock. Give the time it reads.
7:30:51
